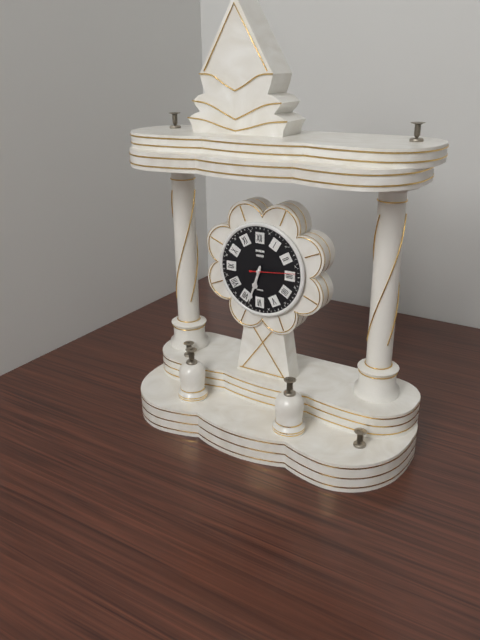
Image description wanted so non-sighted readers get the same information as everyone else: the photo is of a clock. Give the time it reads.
6:33
